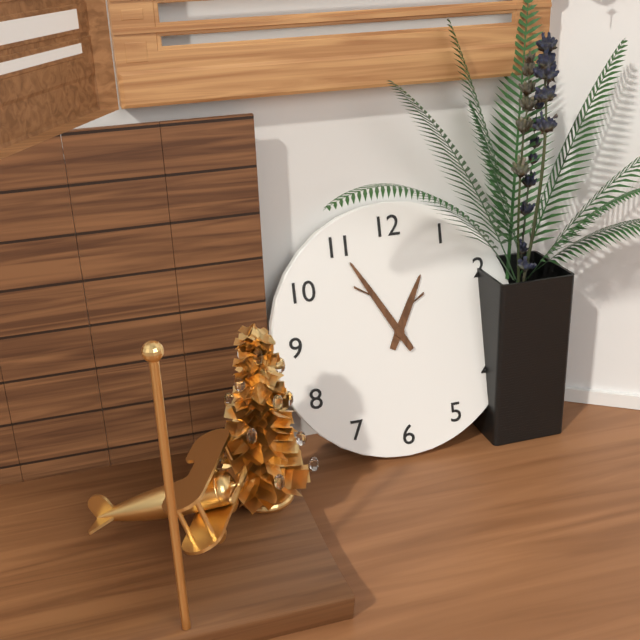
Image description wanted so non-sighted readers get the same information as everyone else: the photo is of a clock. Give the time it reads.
12:55
